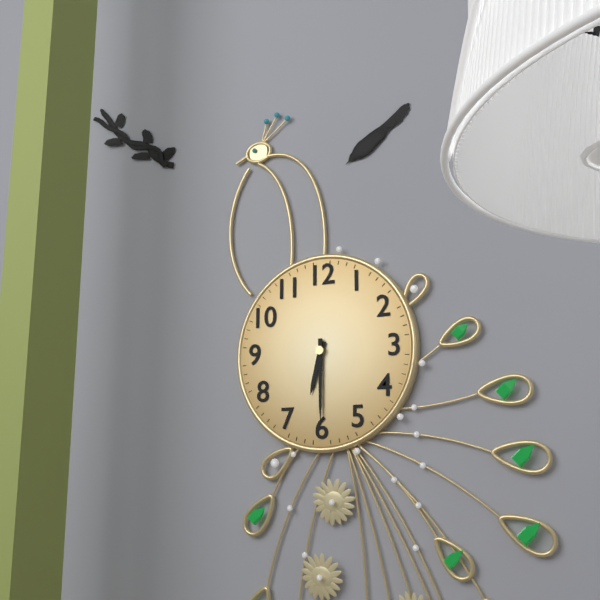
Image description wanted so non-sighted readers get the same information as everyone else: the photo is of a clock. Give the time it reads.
6:30
